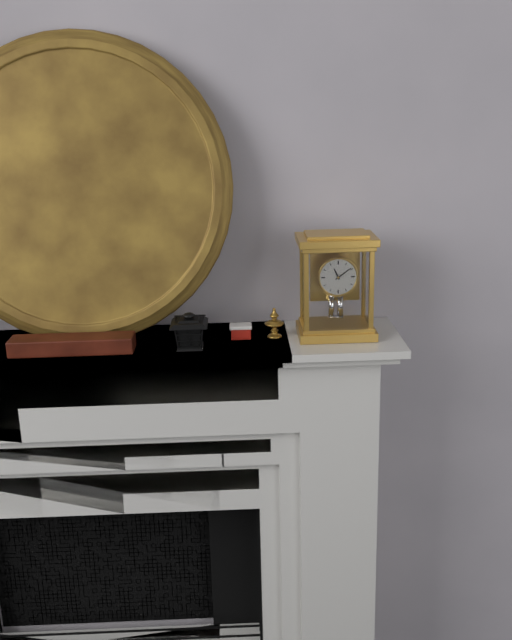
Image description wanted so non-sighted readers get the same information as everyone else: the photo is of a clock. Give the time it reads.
11:09
